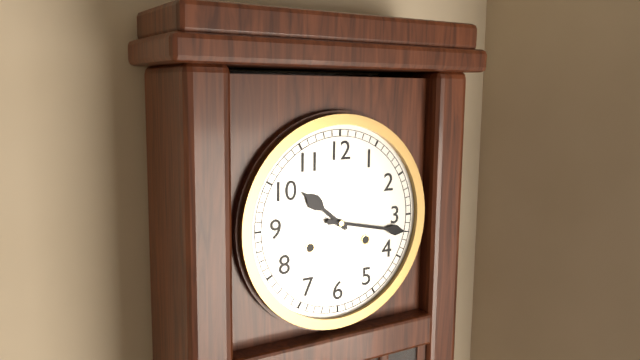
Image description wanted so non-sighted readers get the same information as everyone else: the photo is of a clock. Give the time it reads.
10:17
